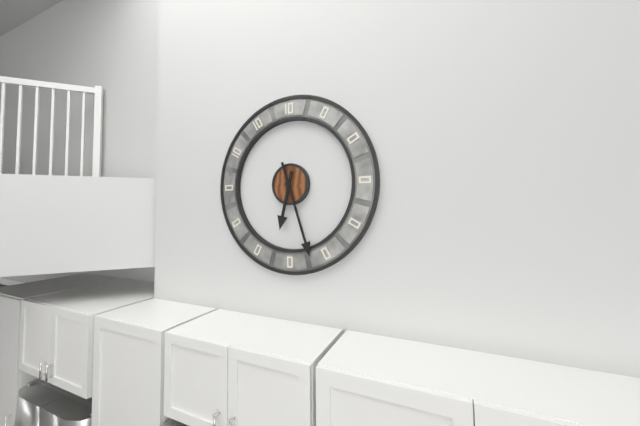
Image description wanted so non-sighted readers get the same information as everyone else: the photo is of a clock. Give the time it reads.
6:27
